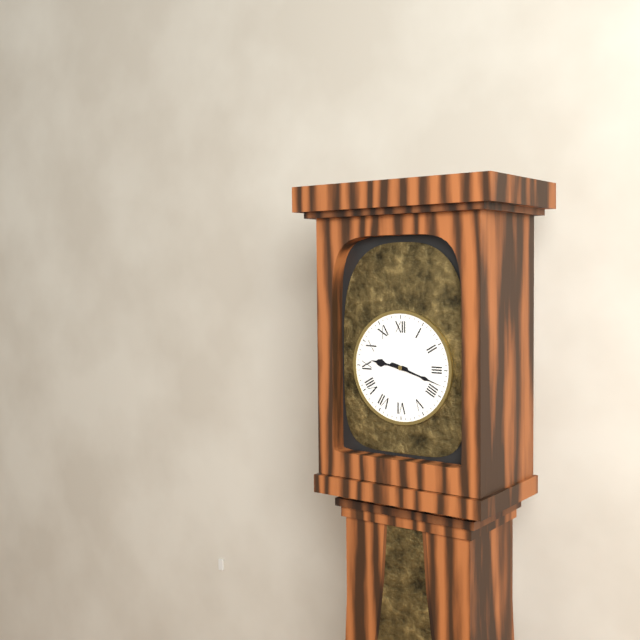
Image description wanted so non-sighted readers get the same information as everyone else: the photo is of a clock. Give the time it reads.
9:18
